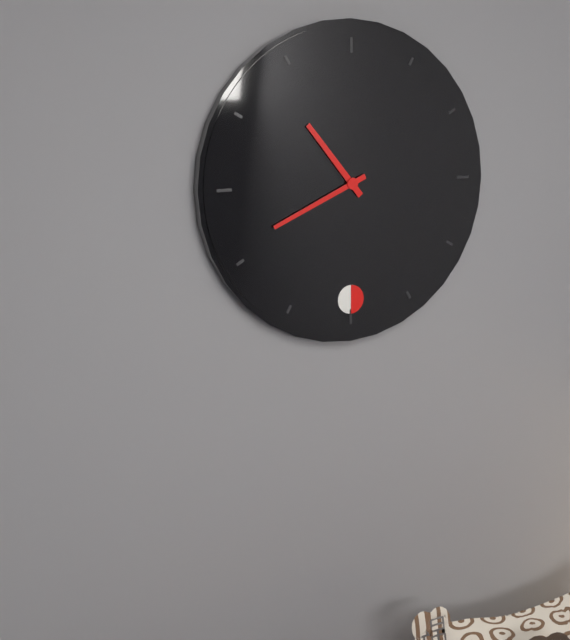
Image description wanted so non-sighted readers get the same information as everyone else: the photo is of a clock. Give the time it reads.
10:41
